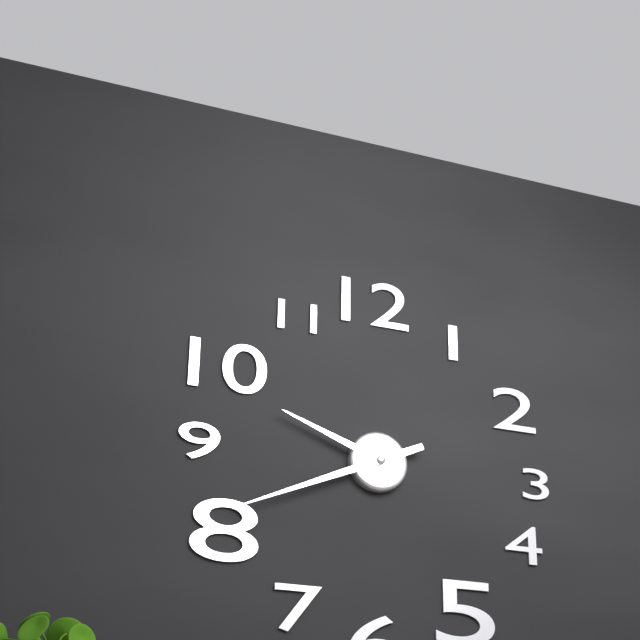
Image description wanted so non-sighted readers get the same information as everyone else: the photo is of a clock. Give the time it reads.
9:41
